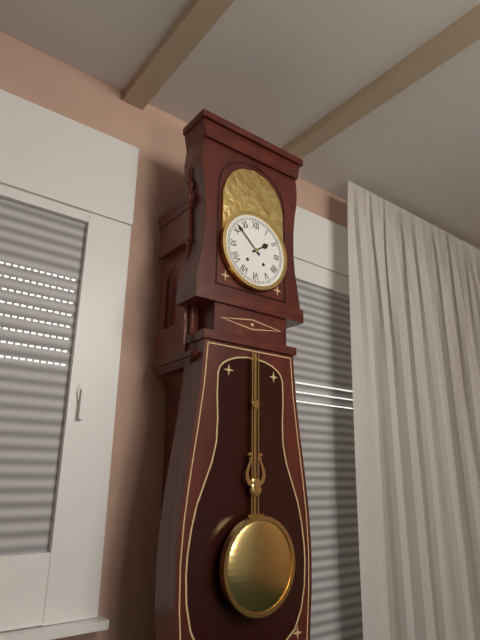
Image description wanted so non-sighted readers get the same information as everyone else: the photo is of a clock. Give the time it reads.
1:52
